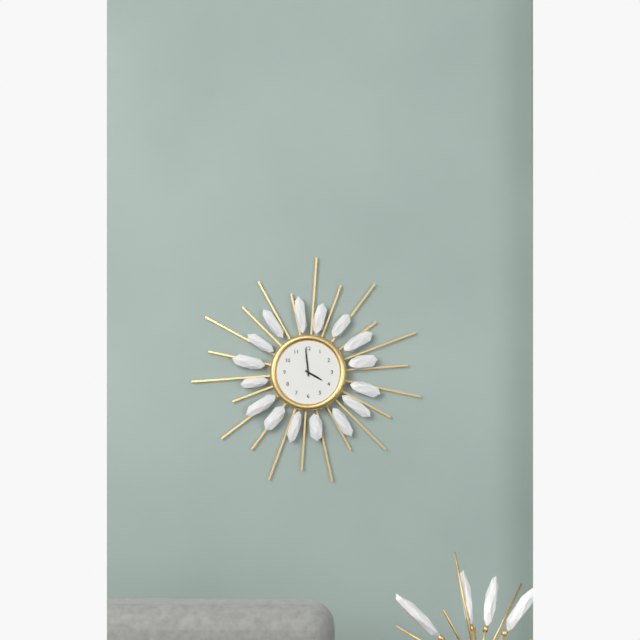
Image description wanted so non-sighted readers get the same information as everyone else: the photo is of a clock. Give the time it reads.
3:59
